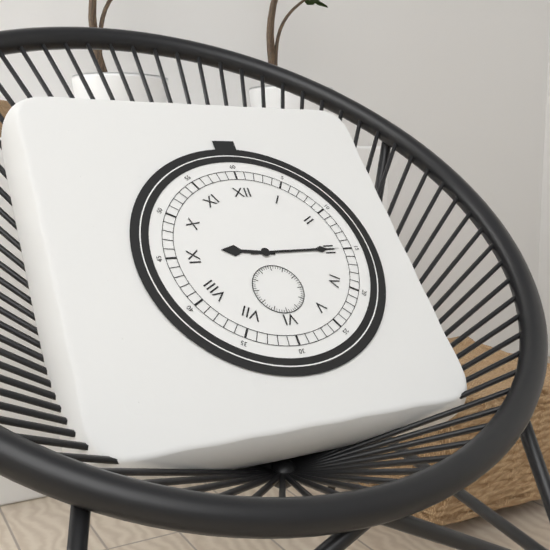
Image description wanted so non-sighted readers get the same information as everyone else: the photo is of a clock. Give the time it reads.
9:15
